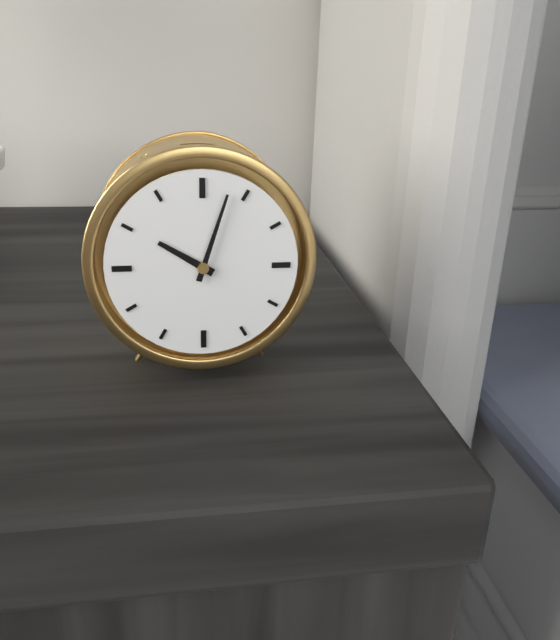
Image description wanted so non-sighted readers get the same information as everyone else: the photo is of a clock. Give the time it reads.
10:03
